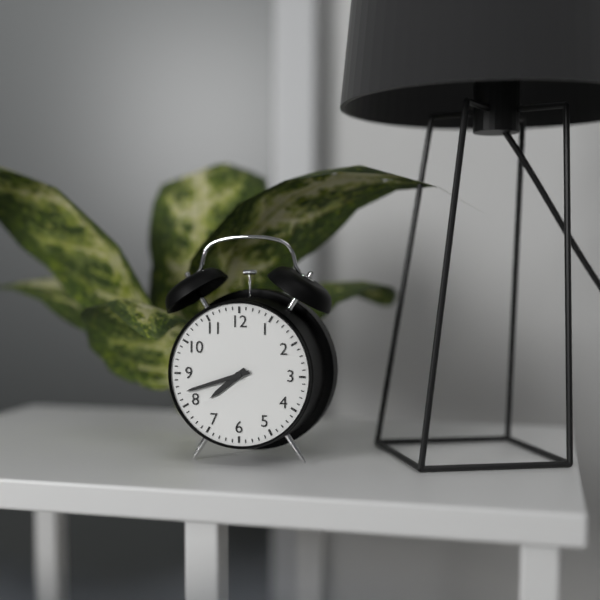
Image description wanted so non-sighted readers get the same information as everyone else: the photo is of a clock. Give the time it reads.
7:42
